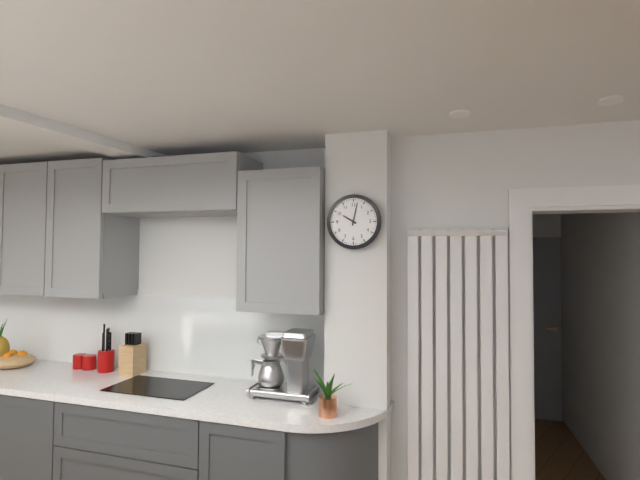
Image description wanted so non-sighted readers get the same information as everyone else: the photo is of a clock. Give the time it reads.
10:02
